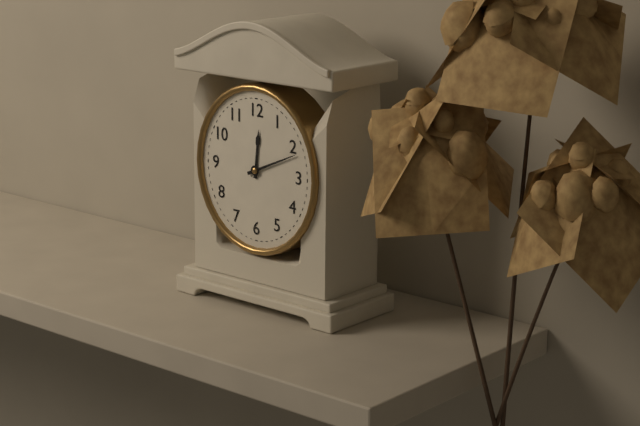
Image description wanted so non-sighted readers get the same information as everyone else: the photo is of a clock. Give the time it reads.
12:11
